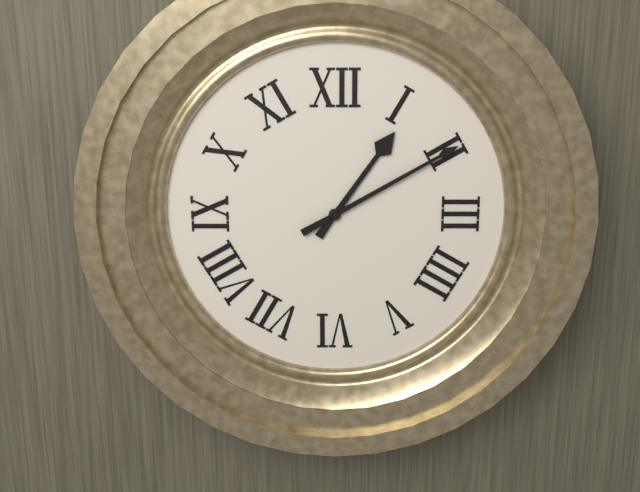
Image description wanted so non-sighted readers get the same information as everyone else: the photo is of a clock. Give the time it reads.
1:10
